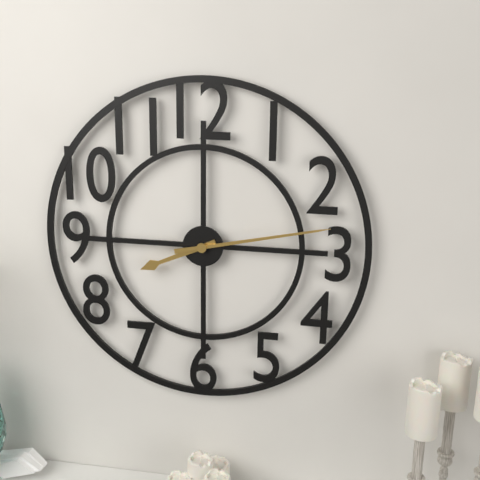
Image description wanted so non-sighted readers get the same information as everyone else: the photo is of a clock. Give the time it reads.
8:13
